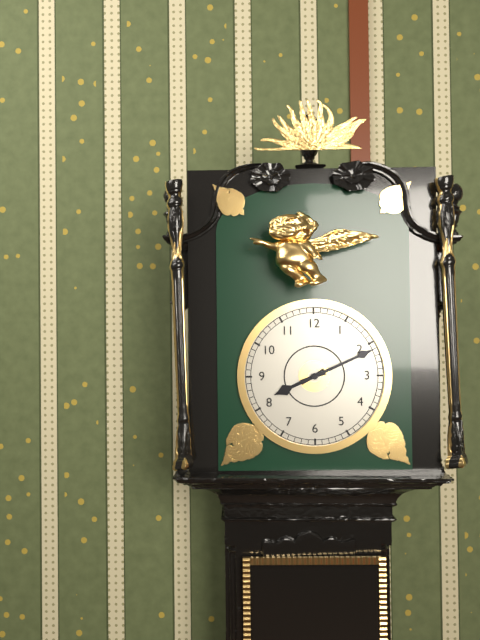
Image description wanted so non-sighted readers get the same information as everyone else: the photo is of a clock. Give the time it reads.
8:11
